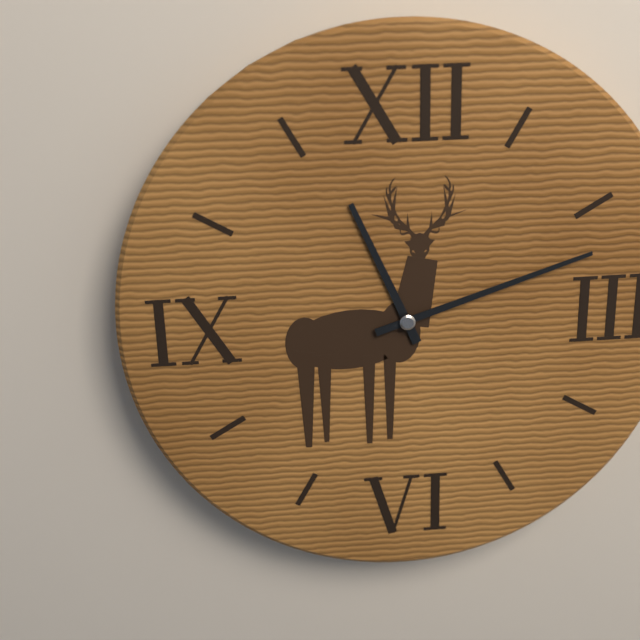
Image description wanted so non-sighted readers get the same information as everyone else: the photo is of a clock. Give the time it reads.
11:12
